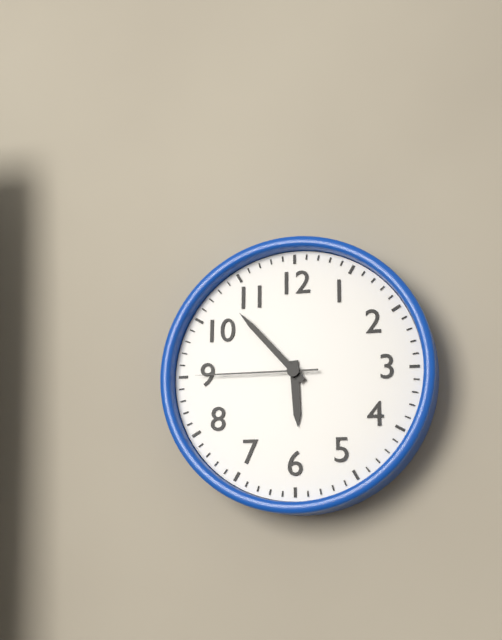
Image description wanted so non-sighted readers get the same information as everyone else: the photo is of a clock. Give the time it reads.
5:53:45
